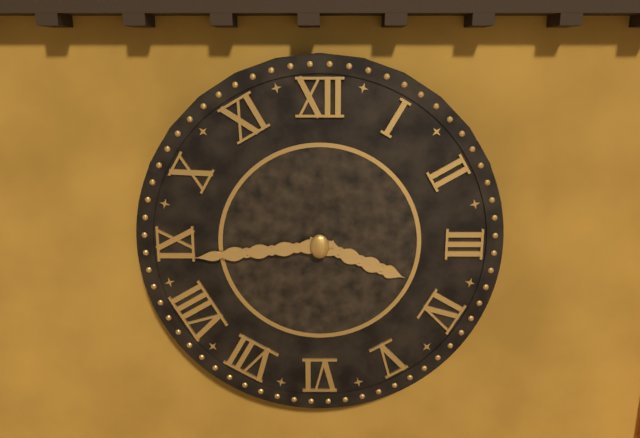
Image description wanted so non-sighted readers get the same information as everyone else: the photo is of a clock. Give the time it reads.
3:44
